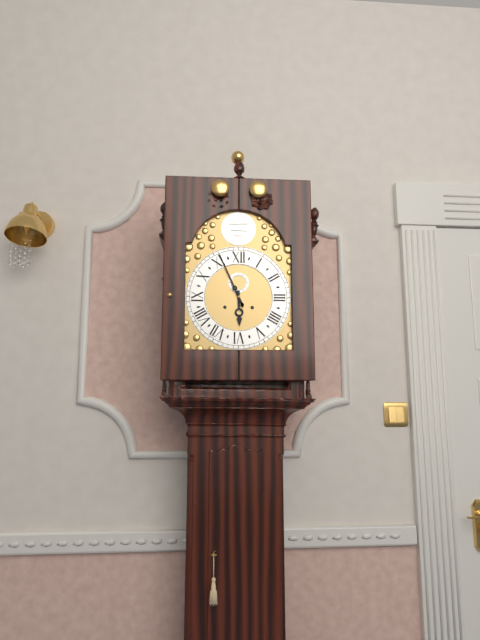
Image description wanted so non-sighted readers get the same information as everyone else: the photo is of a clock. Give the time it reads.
5:56
